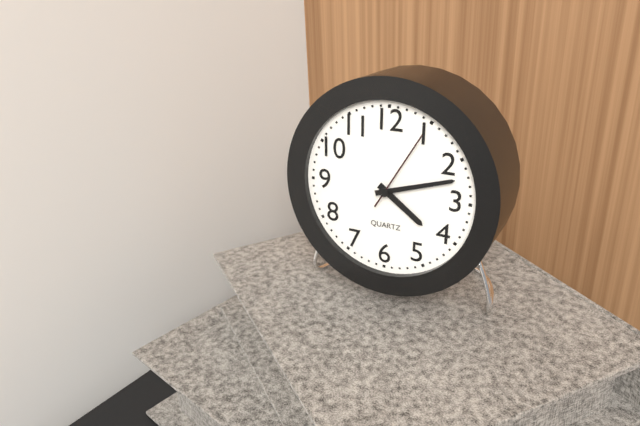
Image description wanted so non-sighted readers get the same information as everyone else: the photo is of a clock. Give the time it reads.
4:12:05
